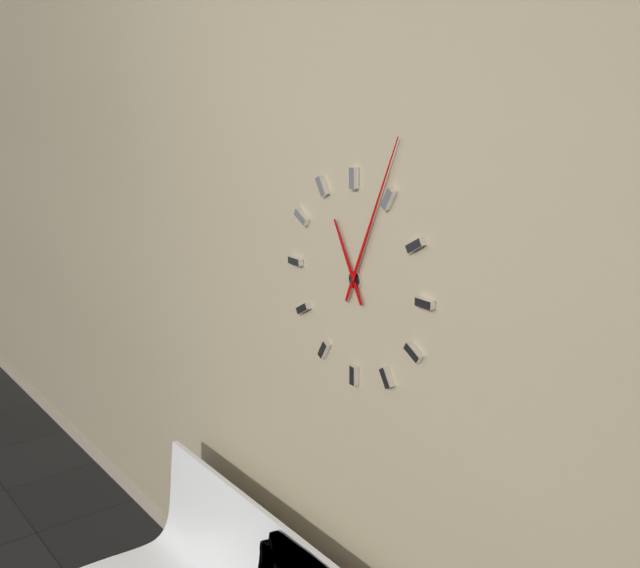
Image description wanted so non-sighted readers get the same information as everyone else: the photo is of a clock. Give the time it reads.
11:04
